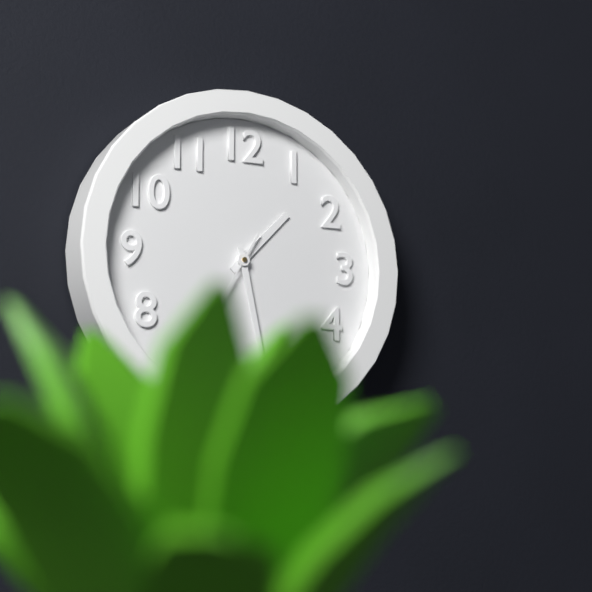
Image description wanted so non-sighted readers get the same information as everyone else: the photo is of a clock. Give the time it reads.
1:28
